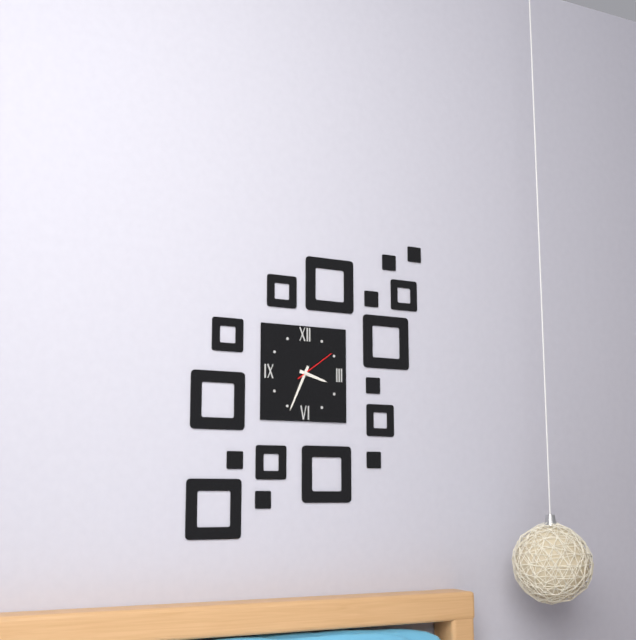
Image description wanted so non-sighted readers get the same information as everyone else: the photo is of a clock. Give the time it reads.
3:34
